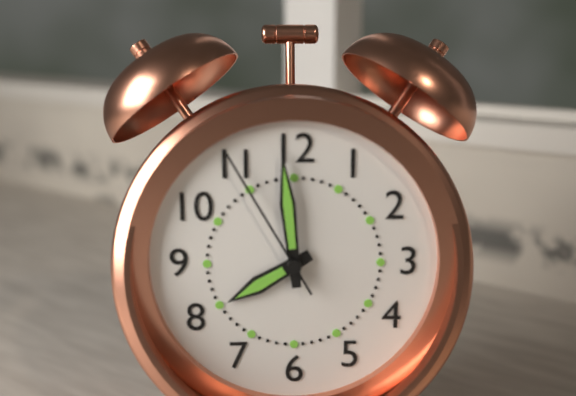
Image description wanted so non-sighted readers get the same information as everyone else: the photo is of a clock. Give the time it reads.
7:59:55
